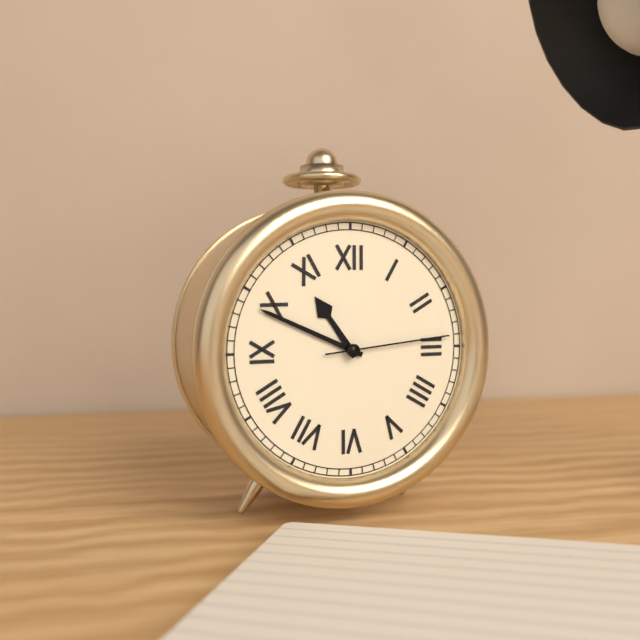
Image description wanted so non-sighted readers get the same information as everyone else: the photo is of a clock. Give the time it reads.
10:49:14
